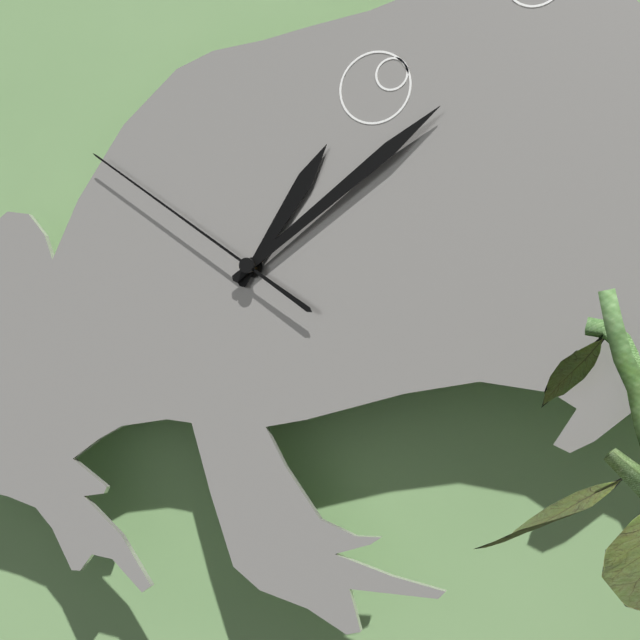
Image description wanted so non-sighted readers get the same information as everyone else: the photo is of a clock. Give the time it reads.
1:09:51
